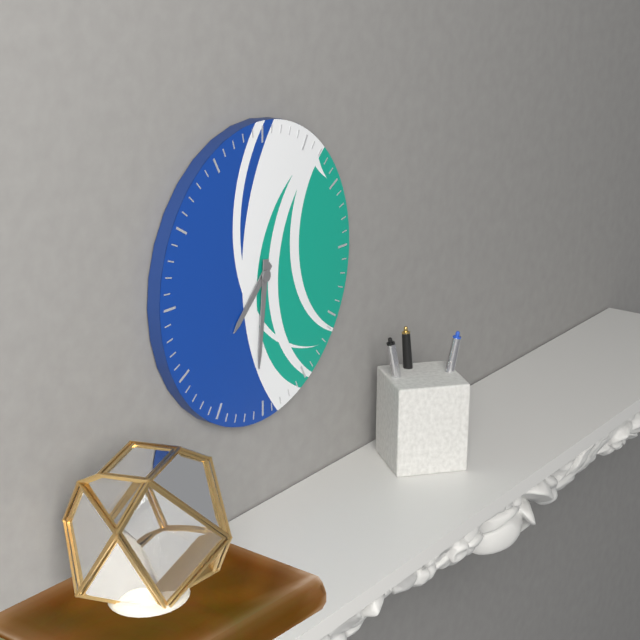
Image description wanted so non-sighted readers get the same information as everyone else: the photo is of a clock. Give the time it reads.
7:31
